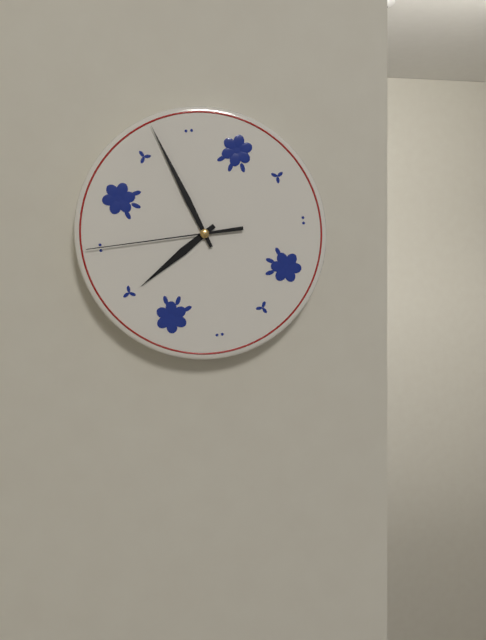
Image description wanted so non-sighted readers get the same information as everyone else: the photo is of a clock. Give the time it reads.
7:57:45
